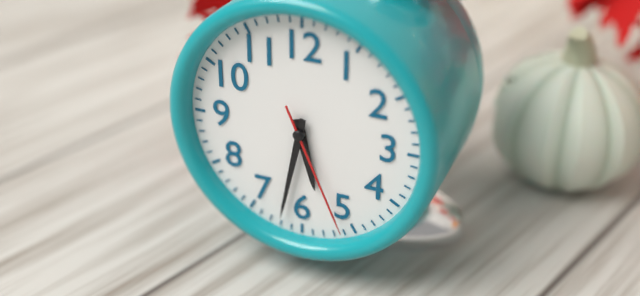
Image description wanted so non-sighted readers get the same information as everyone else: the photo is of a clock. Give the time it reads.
5:32:26
